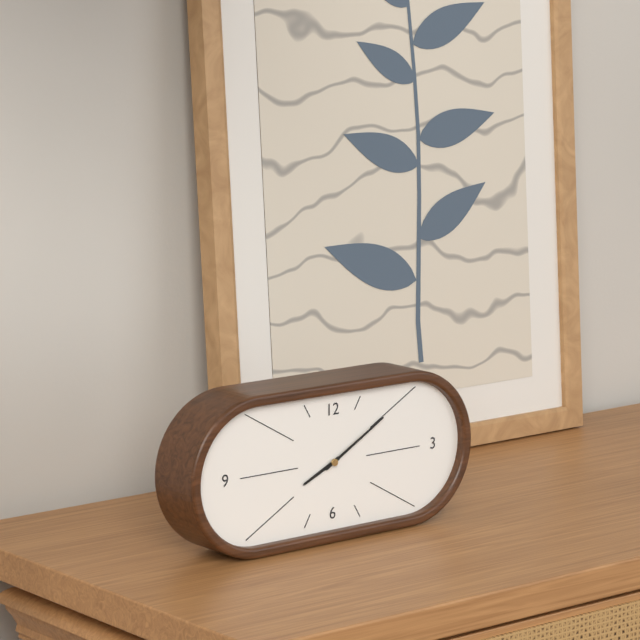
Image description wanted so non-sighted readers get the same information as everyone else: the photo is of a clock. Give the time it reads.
8:10
